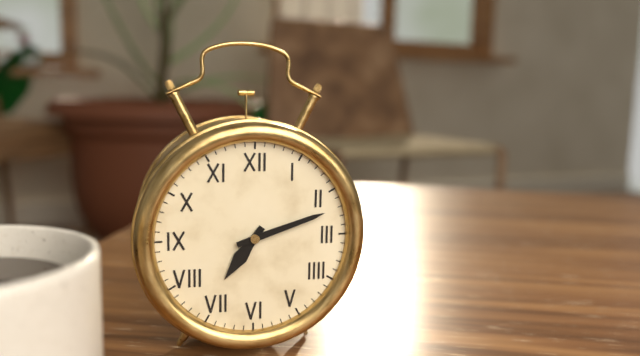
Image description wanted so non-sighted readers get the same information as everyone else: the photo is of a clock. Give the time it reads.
7:12
